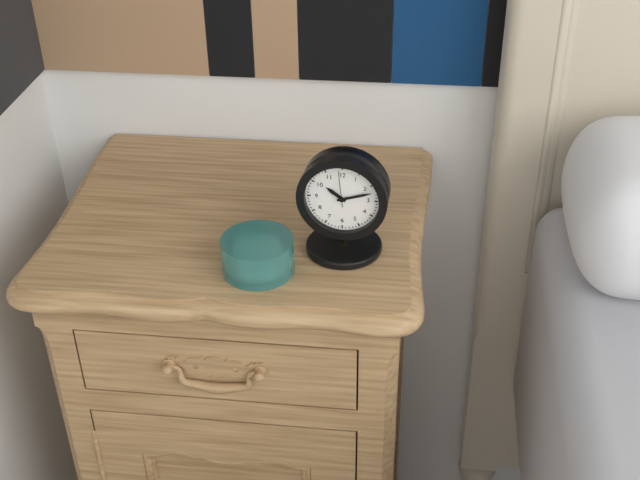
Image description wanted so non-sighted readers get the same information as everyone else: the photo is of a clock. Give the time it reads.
10:12
